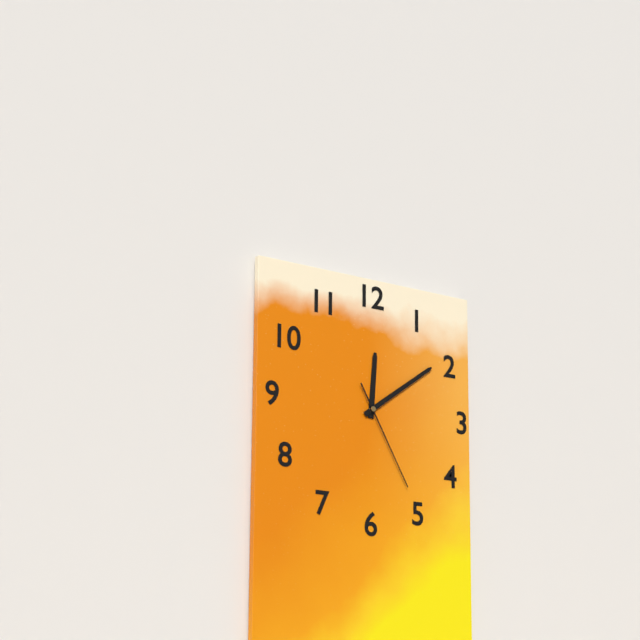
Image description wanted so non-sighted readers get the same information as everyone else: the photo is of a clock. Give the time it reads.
12:09:25
